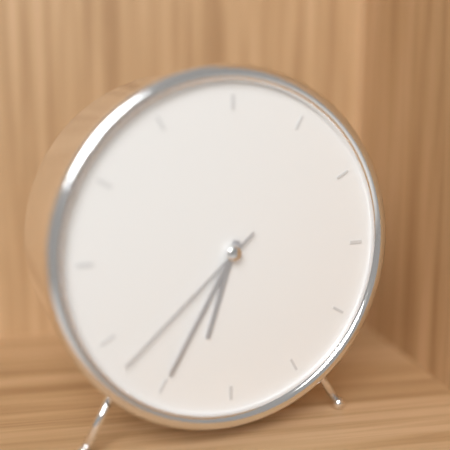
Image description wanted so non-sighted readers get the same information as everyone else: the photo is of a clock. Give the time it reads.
6:35:38
